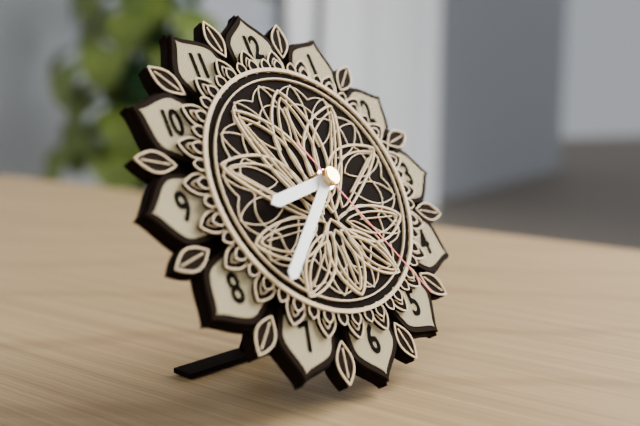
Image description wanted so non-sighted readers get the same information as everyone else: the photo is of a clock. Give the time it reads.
8:38:25
